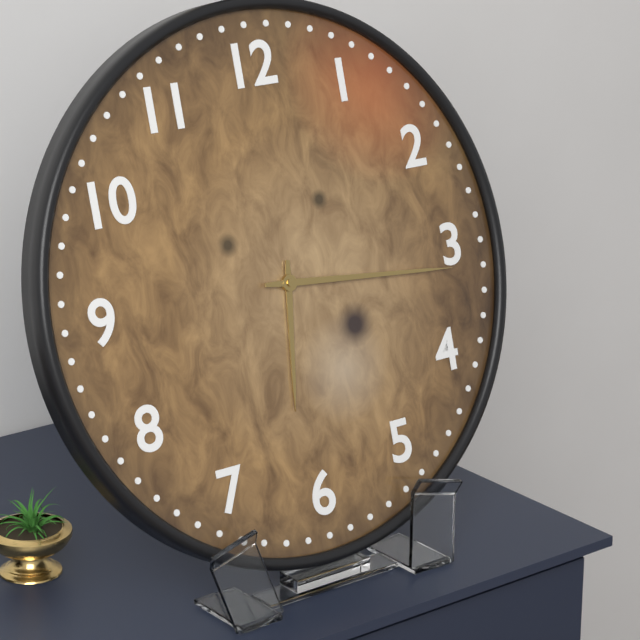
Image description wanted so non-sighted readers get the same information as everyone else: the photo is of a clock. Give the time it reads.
6:16
